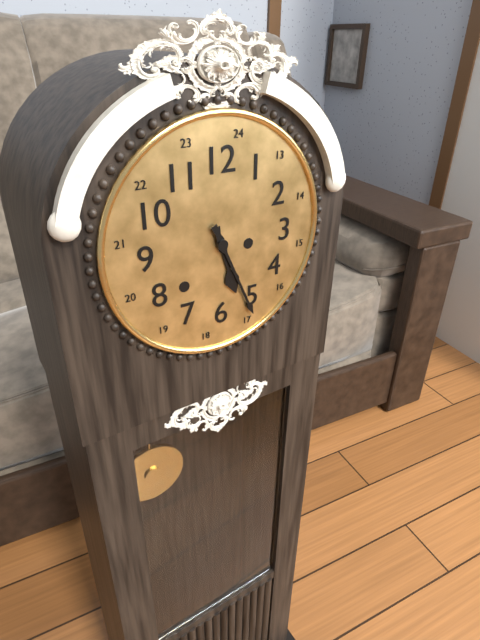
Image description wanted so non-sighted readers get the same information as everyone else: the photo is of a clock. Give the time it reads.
5:26
